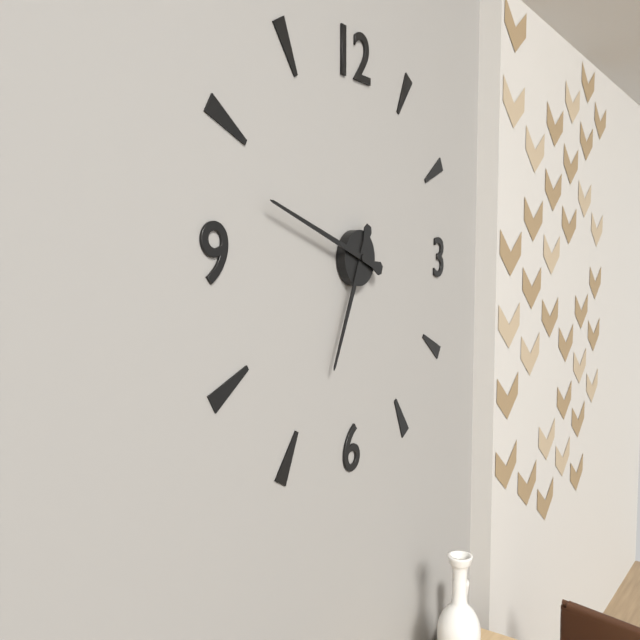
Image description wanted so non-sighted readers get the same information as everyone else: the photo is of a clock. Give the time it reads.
6:48
